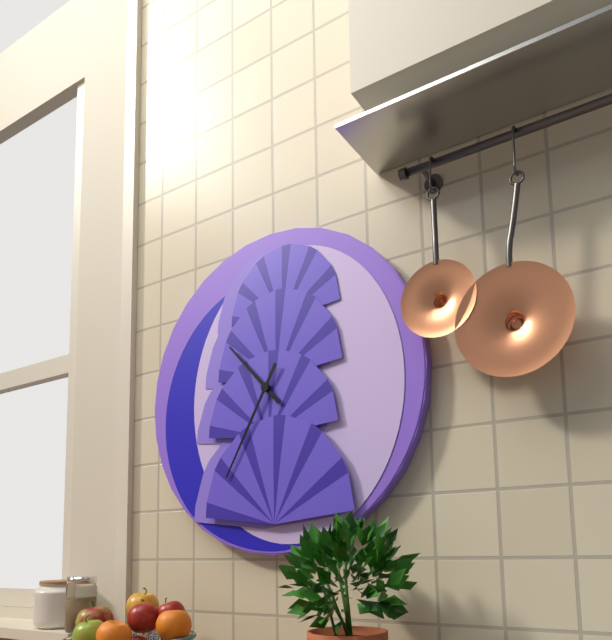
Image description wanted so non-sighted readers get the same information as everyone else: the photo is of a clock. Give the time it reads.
10:35
